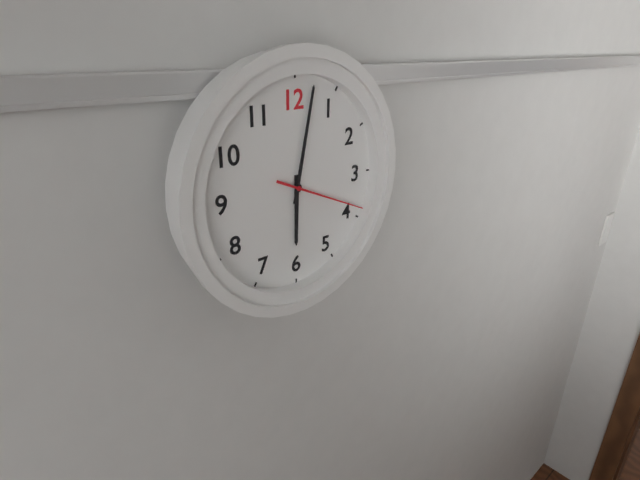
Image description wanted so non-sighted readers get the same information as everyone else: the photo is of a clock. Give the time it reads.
6:02:19
